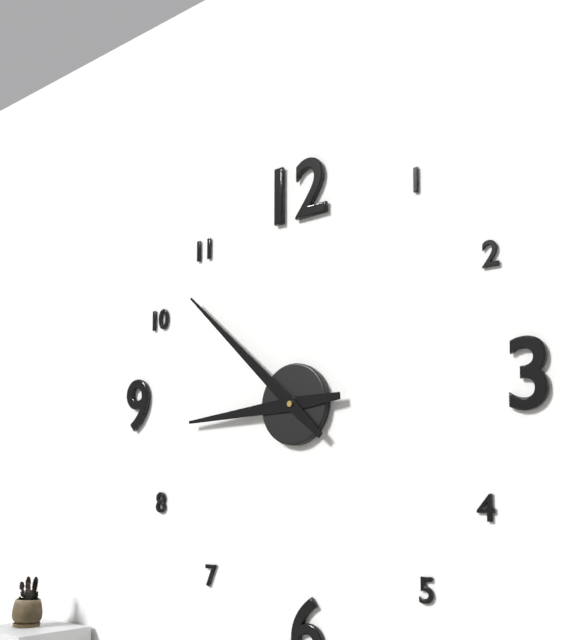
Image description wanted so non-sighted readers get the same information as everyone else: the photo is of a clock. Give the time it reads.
8:52
